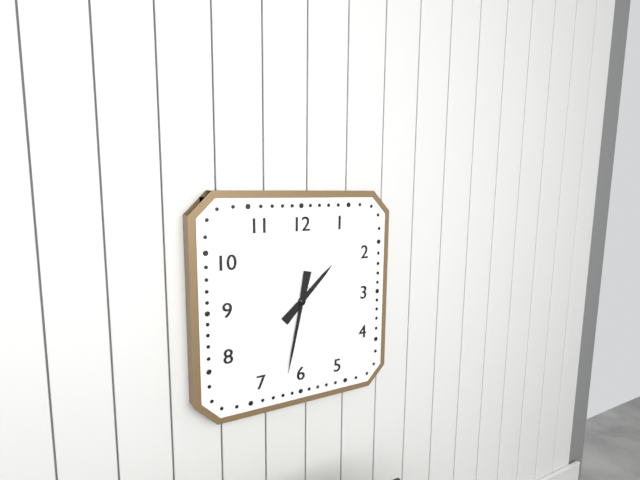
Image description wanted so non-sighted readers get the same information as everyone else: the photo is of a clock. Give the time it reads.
1:32
